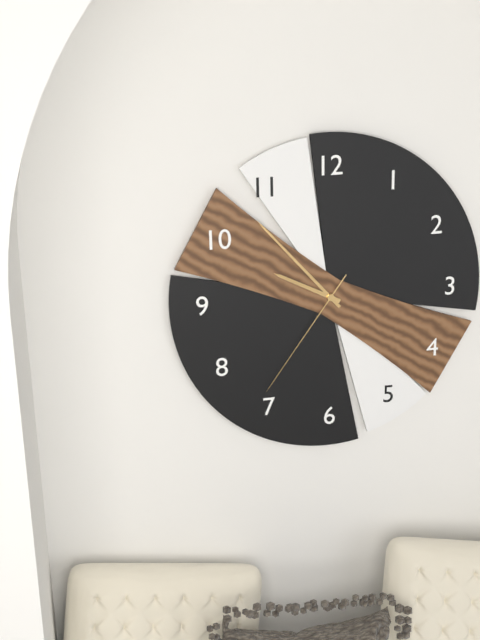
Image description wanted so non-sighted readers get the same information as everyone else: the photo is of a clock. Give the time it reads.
9:53:36
